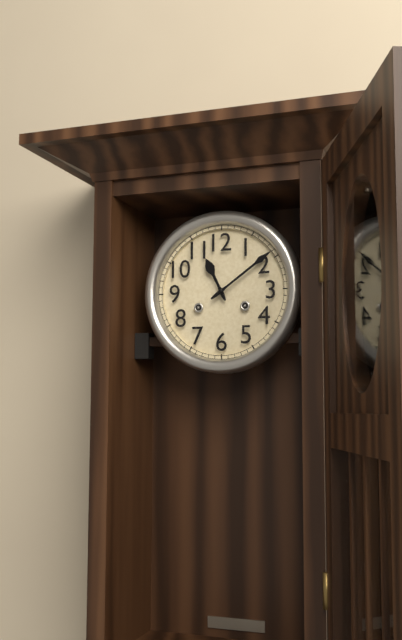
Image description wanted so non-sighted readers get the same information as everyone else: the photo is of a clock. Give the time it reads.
11:09
